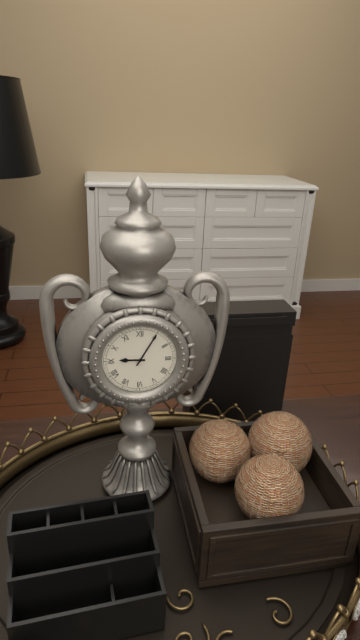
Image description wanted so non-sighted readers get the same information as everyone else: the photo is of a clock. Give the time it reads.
9:05
